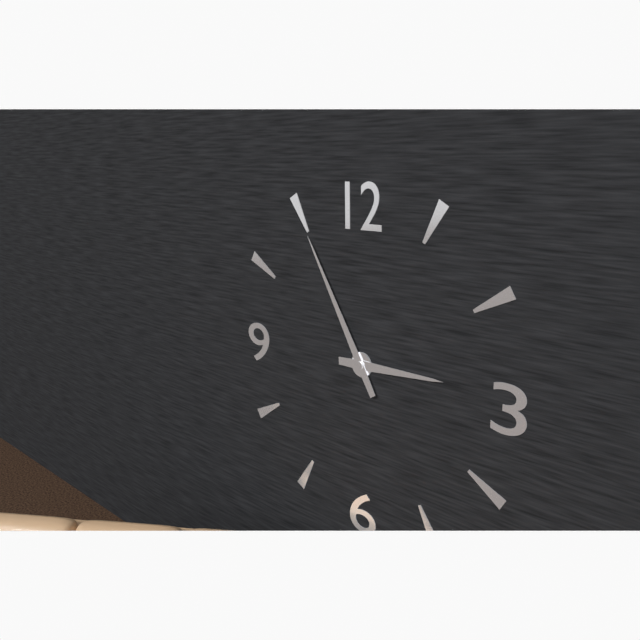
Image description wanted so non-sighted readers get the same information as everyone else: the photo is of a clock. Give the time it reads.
2:55
